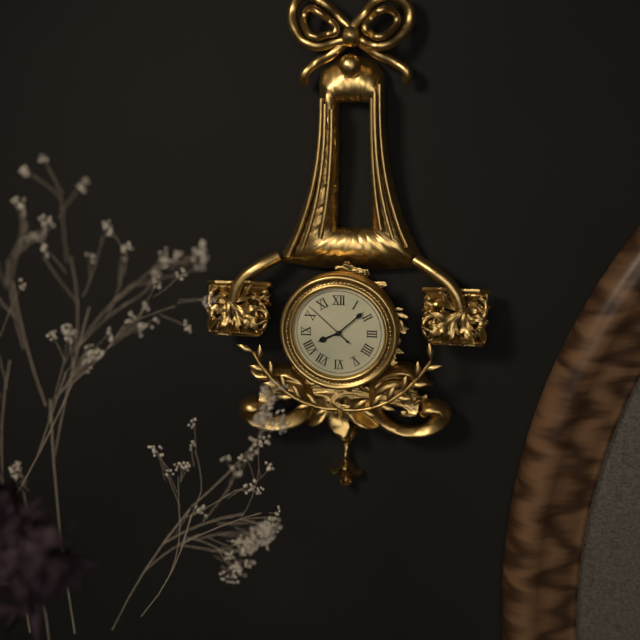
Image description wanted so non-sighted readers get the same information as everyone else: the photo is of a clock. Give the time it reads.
8:08:52
